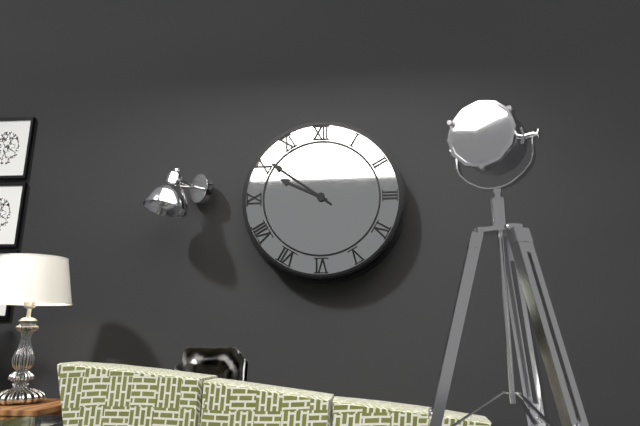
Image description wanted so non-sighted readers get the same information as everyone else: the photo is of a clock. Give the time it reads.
9:51
